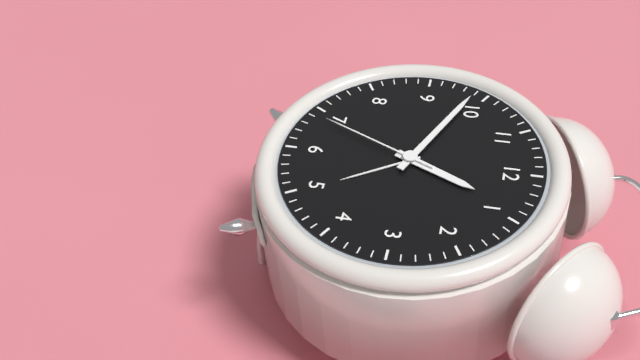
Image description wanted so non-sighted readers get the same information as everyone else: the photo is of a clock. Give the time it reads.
12:49:34
